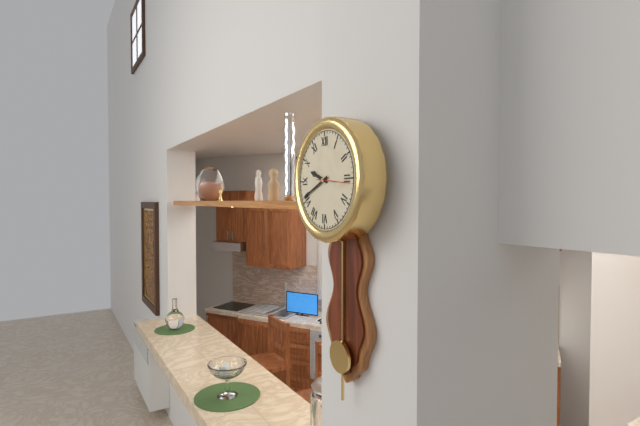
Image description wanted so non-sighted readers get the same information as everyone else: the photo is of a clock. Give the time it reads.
9:41
